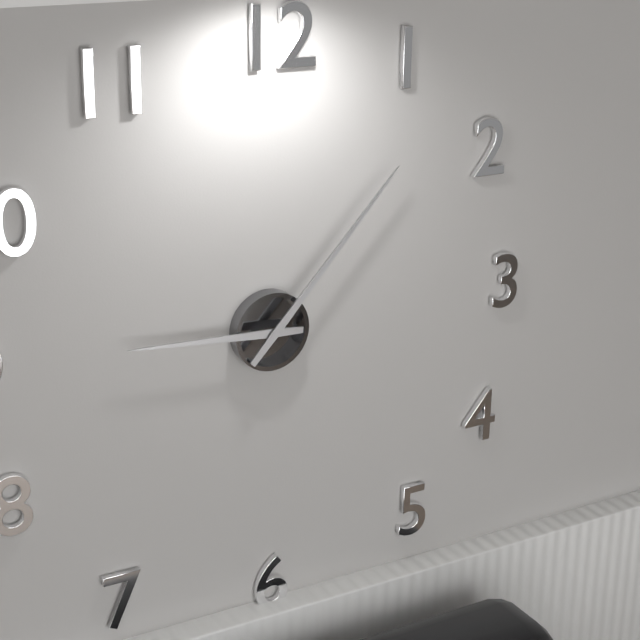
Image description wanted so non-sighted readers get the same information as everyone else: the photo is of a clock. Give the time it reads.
9:07
